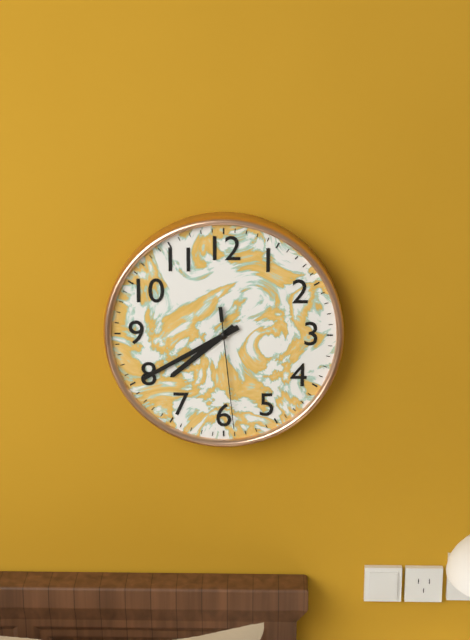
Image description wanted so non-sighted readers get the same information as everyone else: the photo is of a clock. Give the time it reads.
7:40:29
